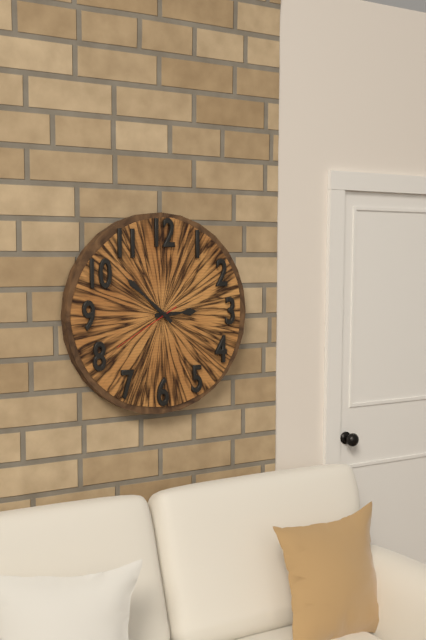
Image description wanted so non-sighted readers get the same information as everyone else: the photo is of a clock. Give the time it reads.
2:52:40
